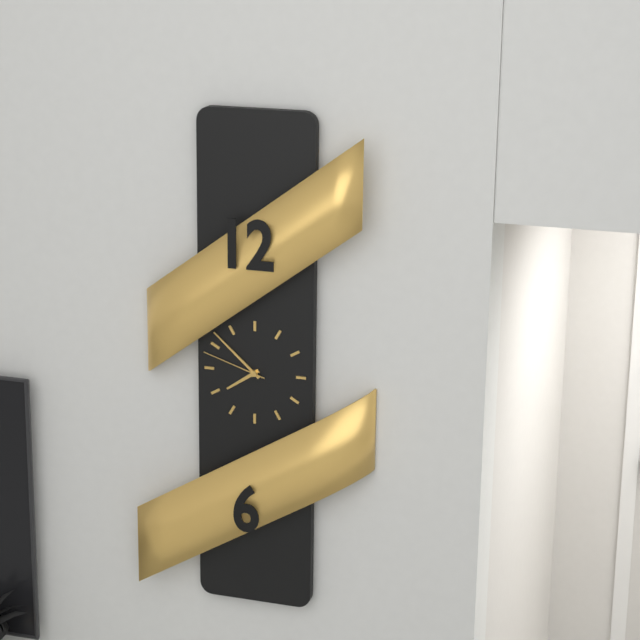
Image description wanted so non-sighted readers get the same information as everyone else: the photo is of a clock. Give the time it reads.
7:52:48
